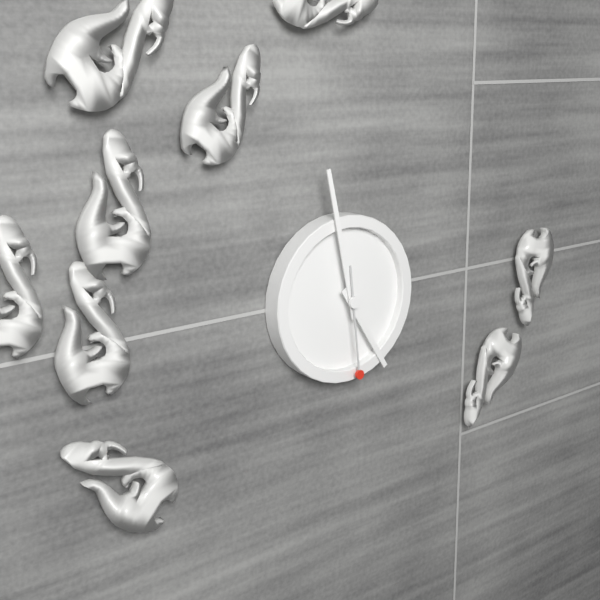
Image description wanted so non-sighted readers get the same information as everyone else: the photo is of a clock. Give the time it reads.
4:58:29
